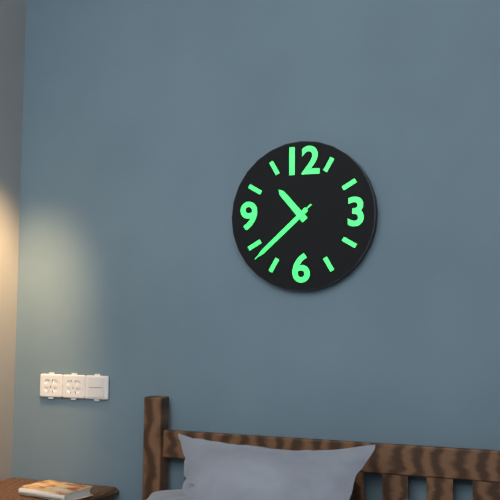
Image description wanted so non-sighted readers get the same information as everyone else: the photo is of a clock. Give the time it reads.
10:38:38
